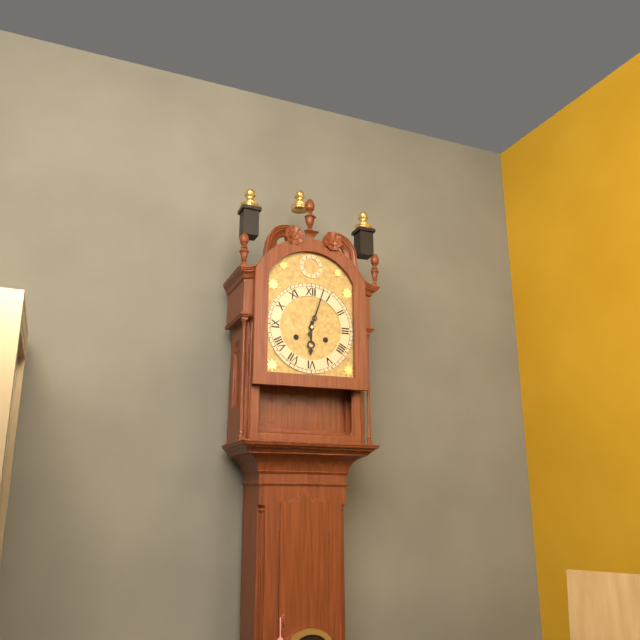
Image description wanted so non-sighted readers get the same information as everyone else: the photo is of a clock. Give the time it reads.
6:03
